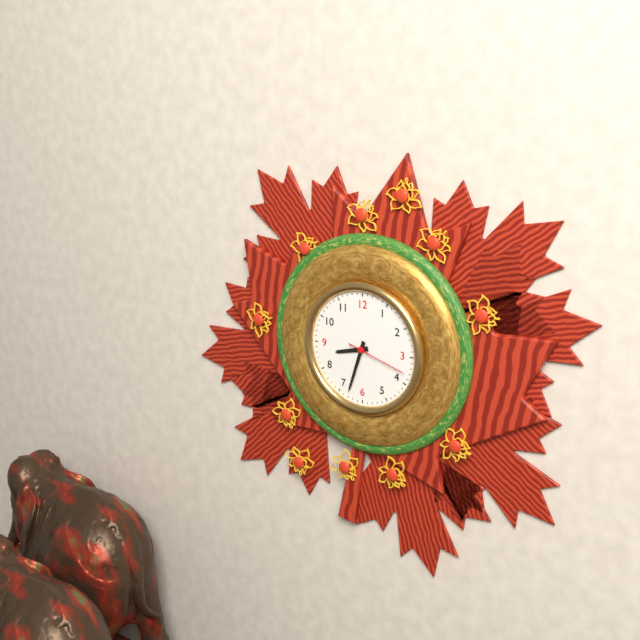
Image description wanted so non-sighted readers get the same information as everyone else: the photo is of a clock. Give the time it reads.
8:33:18
